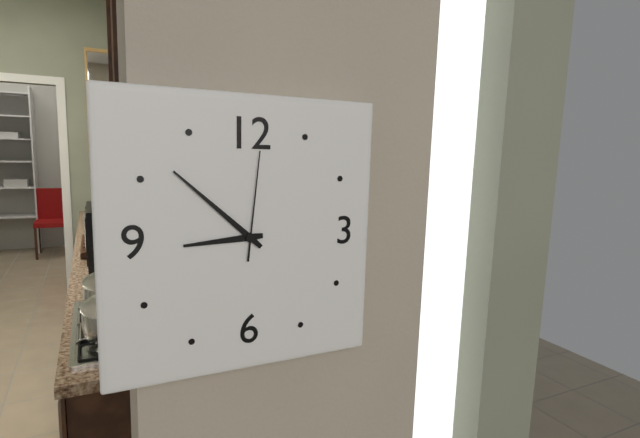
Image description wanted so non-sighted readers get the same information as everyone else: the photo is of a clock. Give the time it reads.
8:52:01
